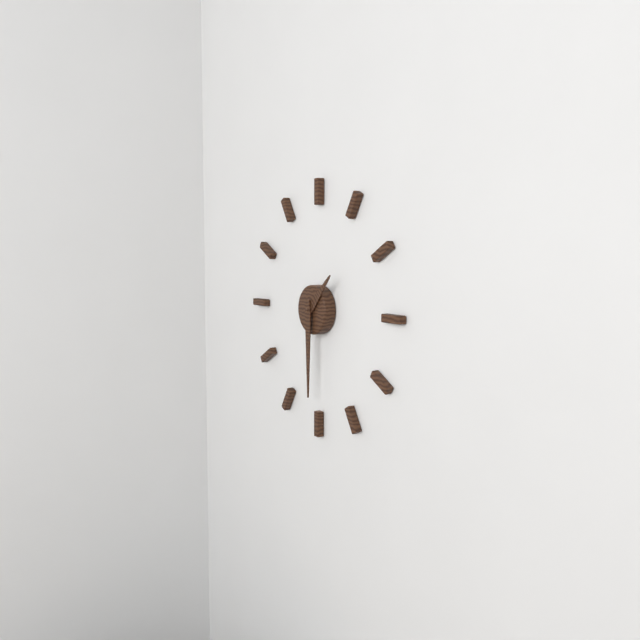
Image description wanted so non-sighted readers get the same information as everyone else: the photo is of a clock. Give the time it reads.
1:30
